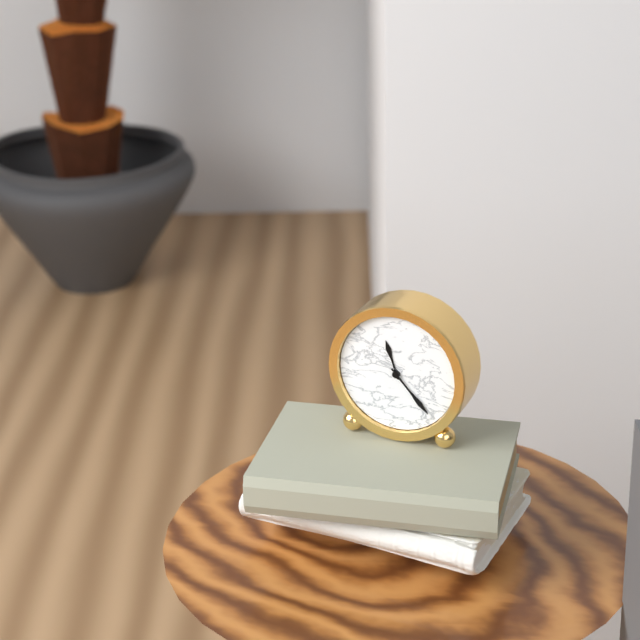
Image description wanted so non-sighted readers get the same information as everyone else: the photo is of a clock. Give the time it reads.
11:23
